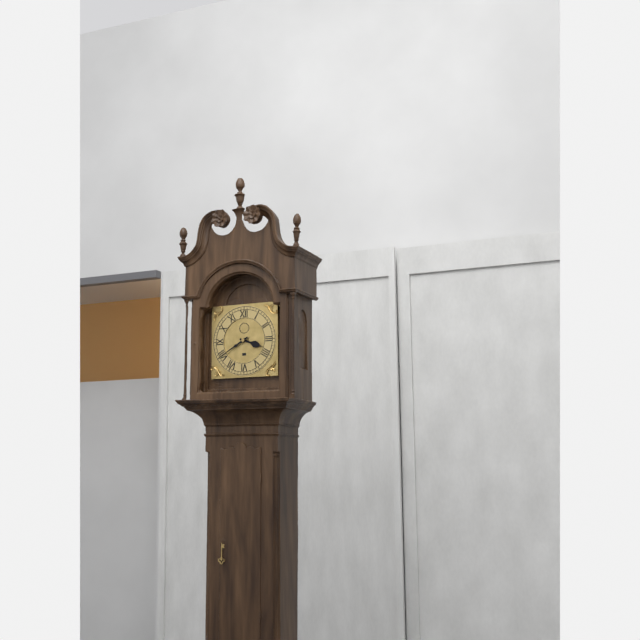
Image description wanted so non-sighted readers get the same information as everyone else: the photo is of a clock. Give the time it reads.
3:40
